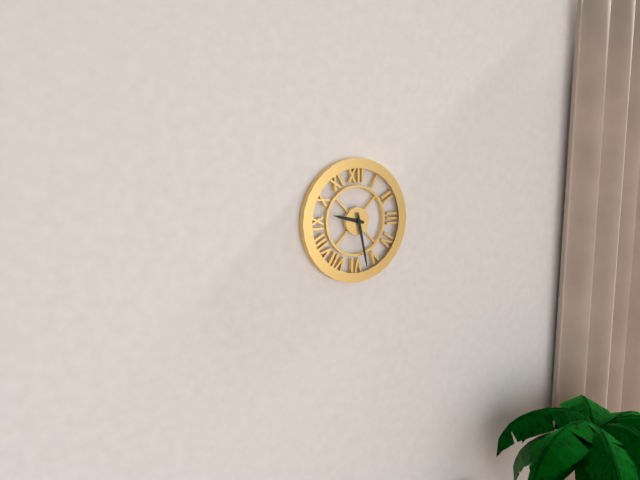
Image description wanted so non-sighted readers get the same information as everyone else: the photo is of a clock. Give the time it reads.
9:28
